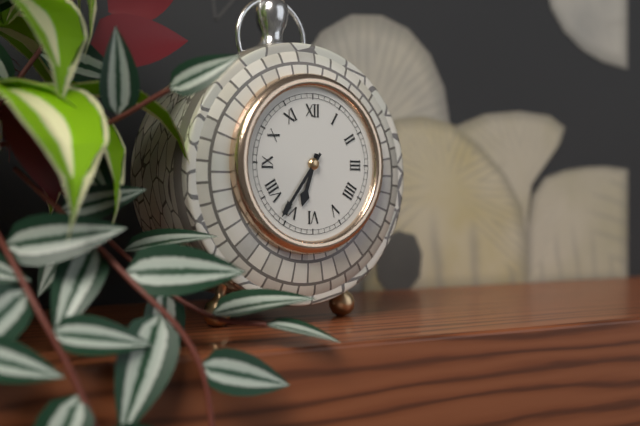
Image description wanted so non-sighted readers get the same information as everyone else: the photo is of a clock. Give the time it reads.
6:36
